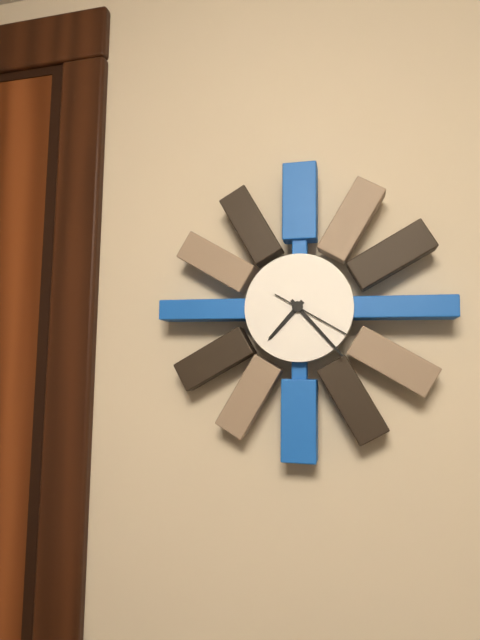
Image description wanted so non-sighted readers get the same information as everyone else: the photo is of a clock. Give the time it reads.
7:23:20
